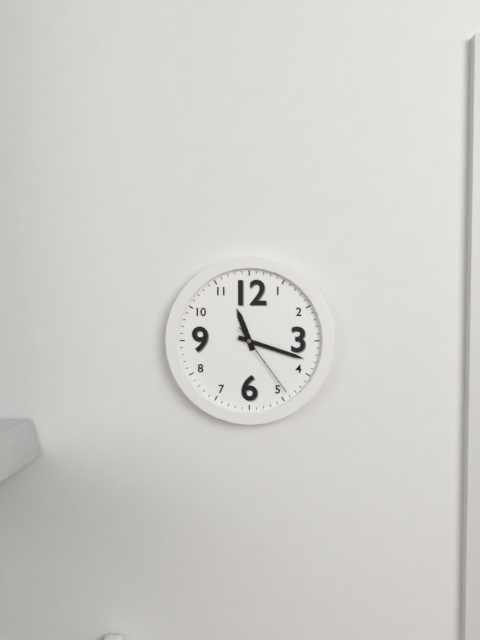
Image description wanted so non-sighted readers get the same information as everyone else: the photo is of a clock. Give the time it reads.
11:18:24
